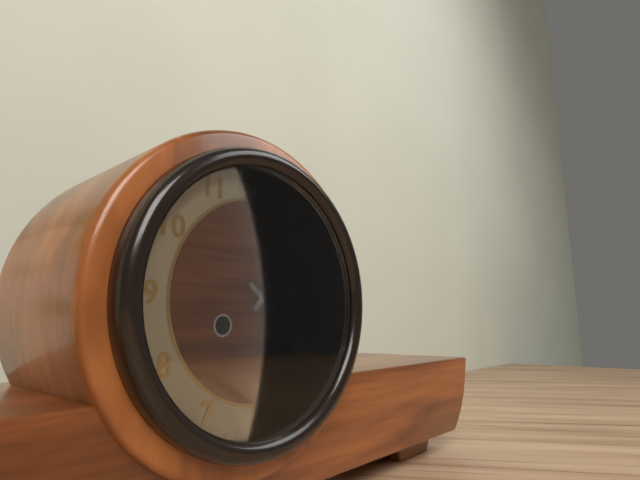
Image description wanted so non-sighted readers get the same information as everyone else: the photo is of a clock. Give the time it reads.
1:21
